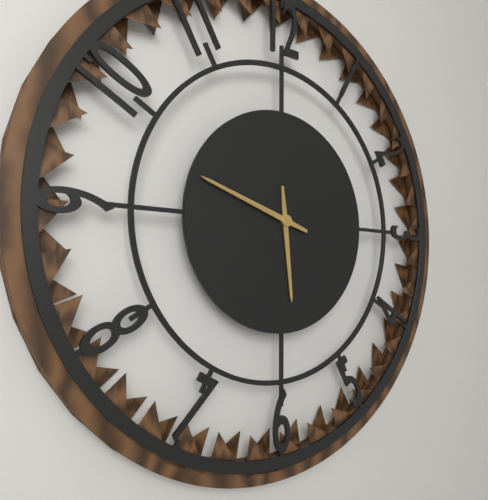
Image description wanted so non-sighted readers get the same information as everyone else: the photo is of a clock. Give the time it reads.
5:48
